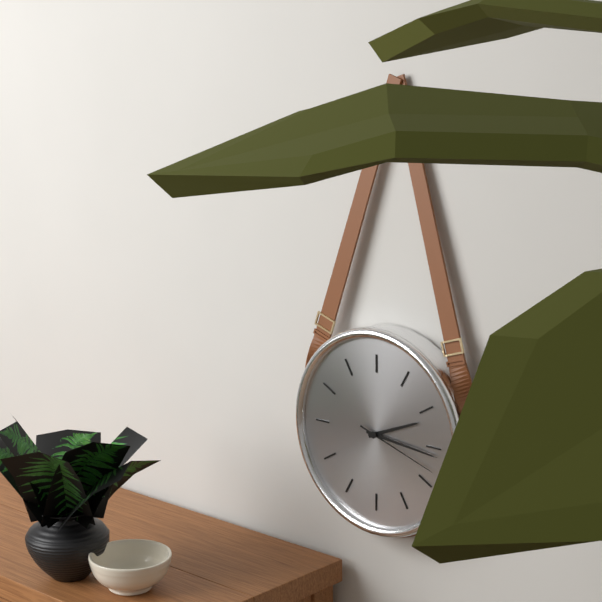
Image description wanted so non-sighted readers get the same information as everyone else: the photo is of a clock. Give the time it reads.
2:16:18
